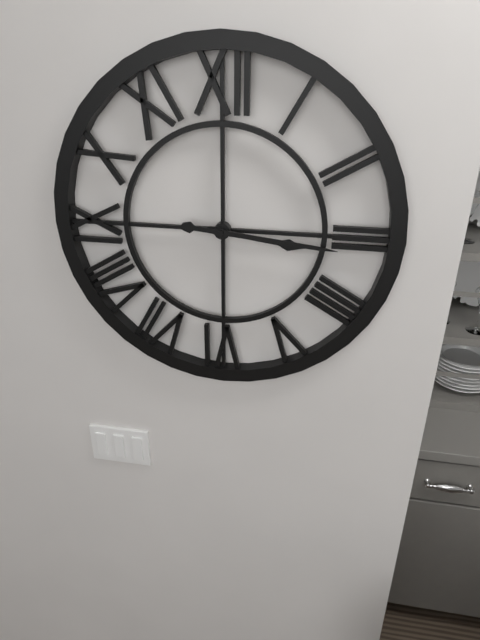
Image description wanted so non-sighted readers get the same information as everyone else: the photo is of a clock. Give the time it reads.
3:16
